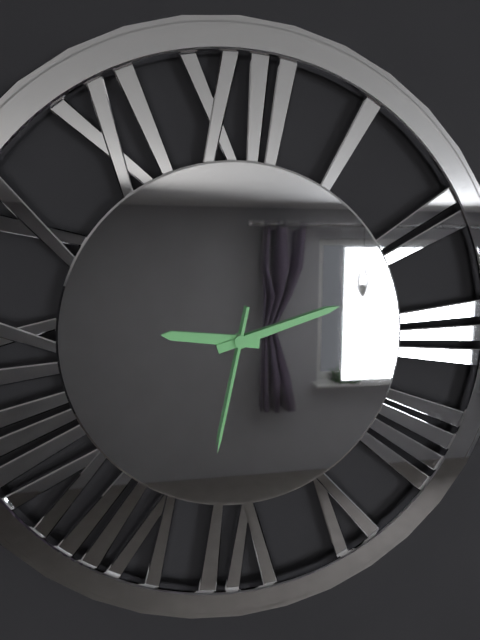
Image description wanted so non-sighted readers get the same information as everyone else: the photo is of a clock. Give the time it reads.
9:12:32
